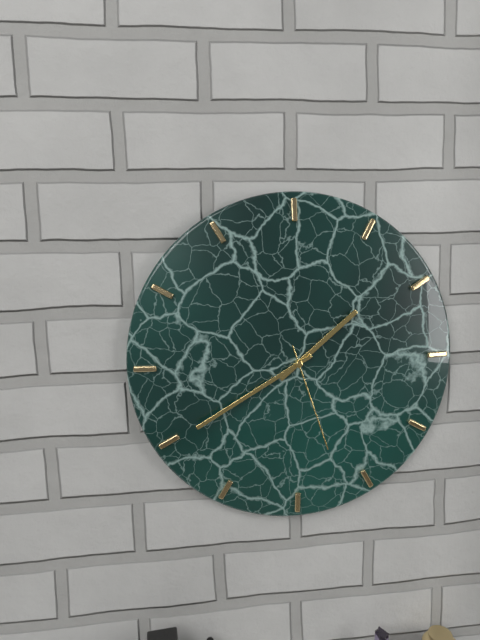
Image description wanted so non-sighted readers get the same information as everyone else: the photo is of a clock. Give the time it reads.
1:40:27
